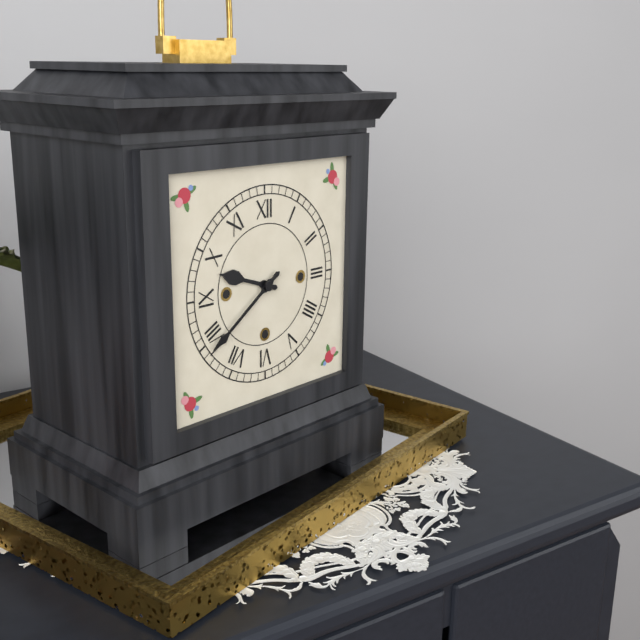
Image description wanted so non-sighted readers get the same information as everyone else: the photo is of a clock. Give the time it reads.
9:39
